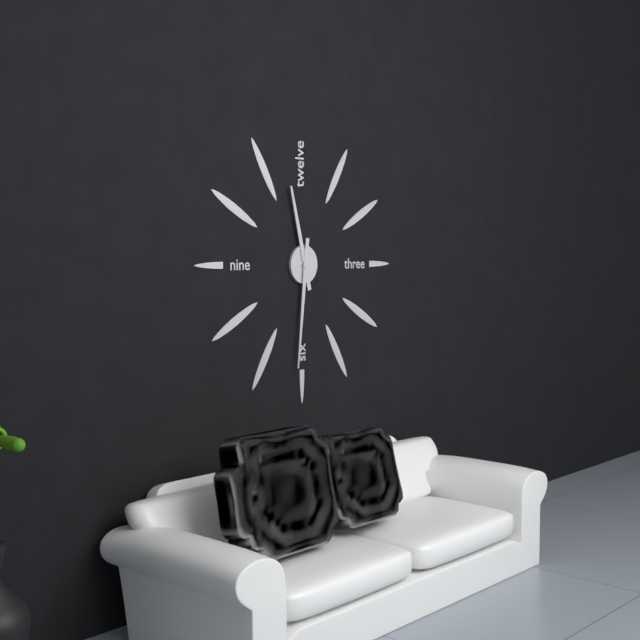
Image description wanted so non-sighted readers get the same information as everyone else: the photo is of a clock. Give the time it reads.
11:31
